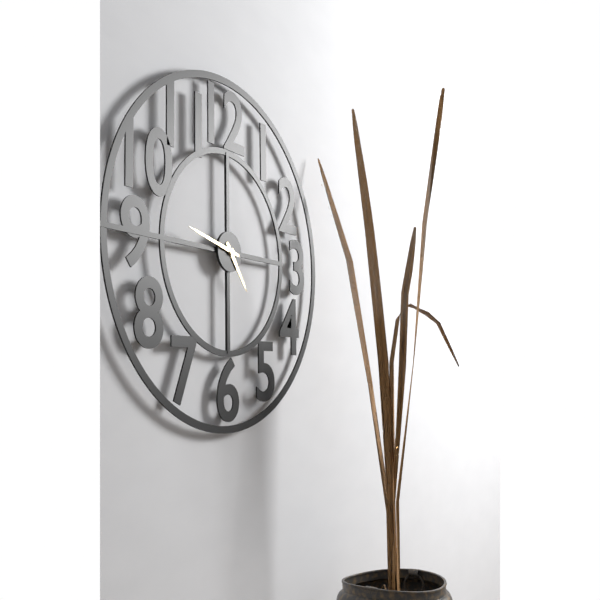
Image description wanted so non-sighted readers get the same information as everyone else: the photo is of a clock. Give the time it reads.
4:47
